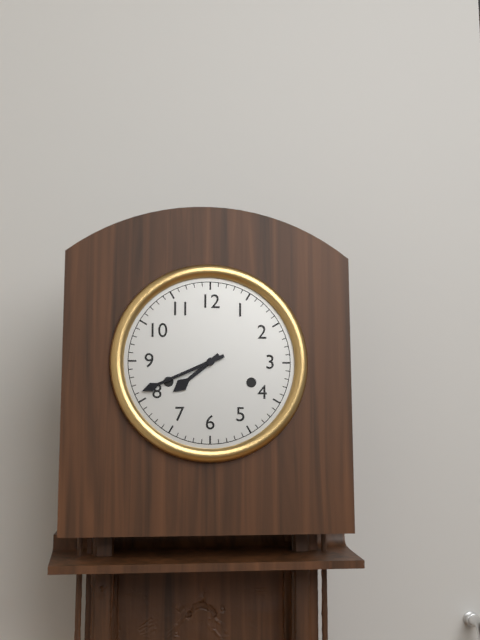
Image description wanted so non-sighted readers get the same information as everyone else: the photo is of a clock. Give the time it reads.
7:41
